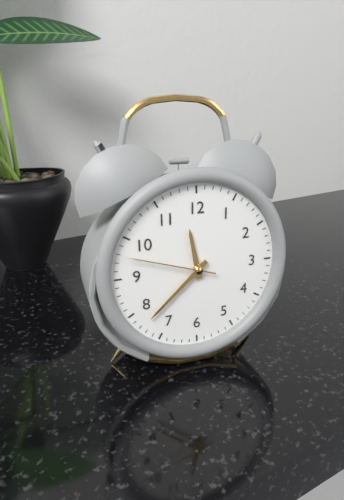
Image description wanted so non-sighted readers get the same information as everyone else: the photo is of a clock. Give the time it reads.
11:38:48
